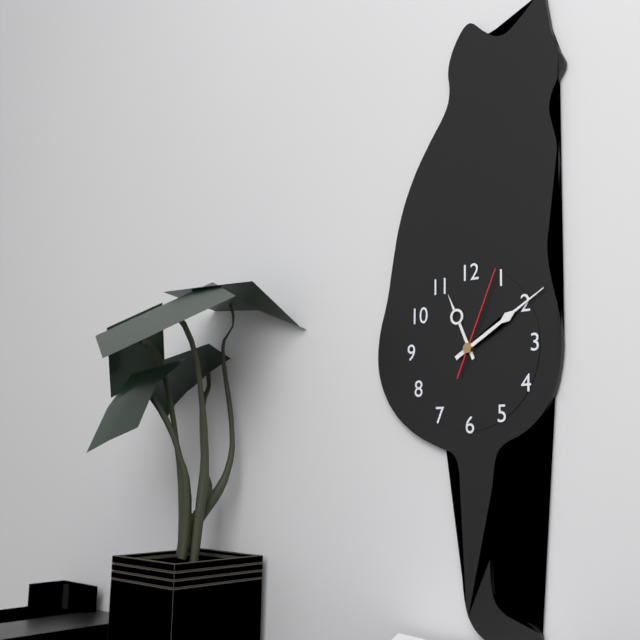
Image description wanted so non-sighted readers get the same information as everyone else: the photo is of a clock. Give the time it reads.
11:10:04
